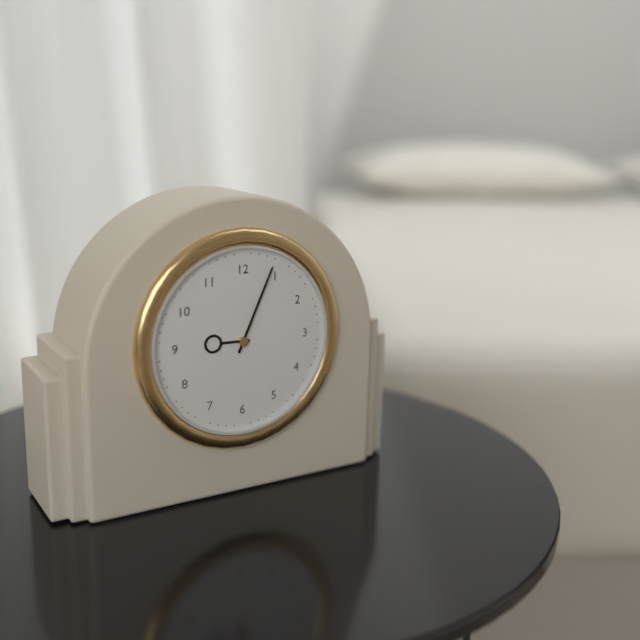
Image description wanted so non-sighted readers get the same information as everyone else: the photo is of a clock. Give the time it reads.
9:04
